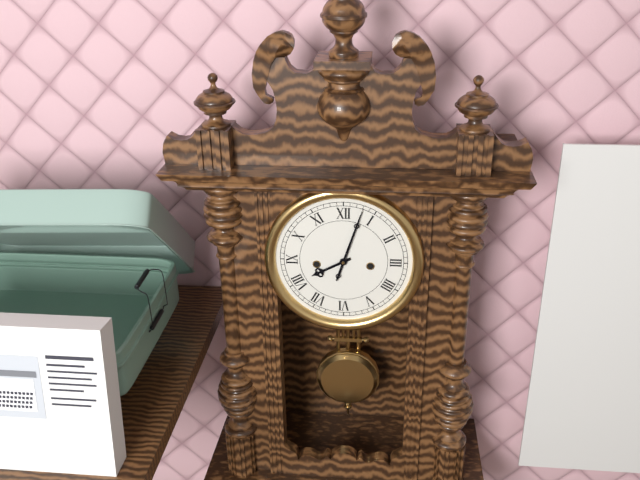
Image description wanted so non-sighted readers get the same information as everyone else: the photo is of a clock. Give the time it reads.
8:03
